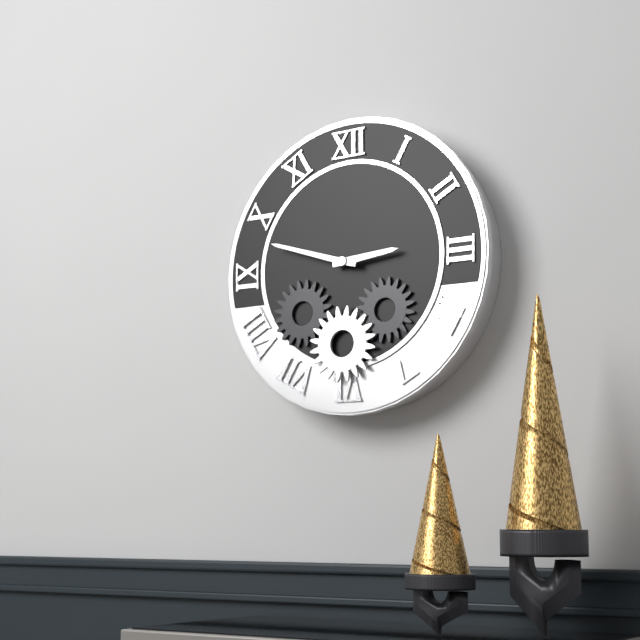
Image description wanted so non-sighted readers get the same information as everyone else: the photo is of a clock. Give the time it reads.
2:48
